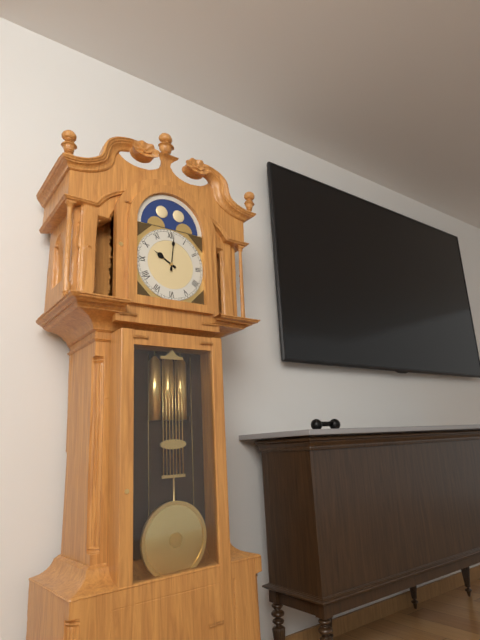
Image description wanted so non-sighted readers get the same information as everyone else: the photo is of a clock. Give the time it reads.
10:01
